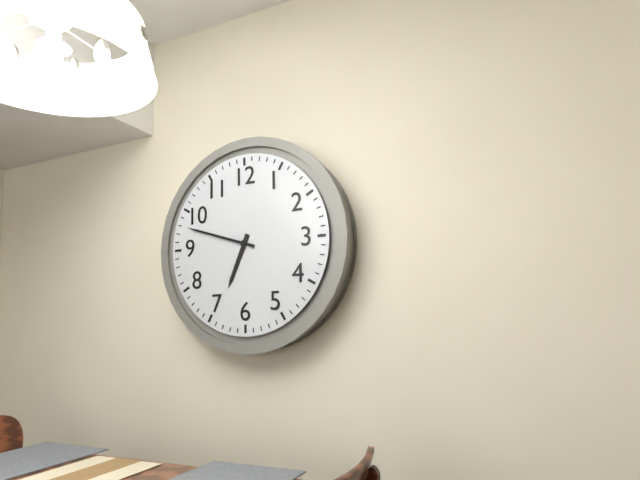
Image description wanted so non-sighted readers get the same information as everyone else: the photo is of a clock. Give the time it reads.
6:48
